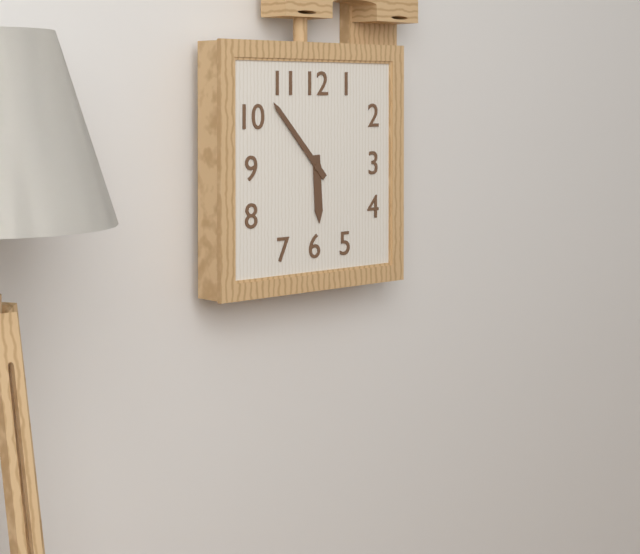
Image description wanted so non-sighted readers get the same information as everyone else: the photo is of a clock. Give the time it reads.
5:53
